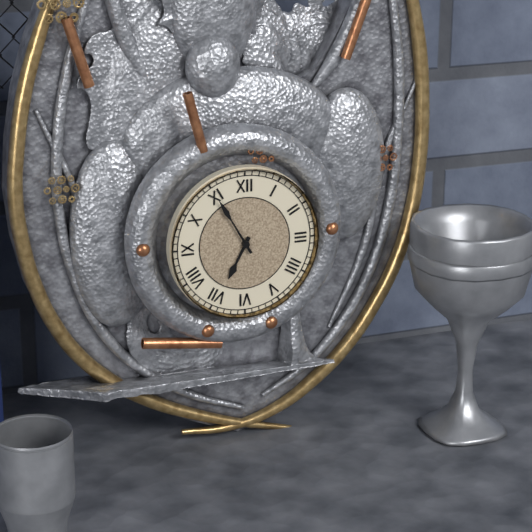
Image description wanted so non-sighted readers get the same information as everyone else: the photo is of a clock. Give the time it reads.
6:55
